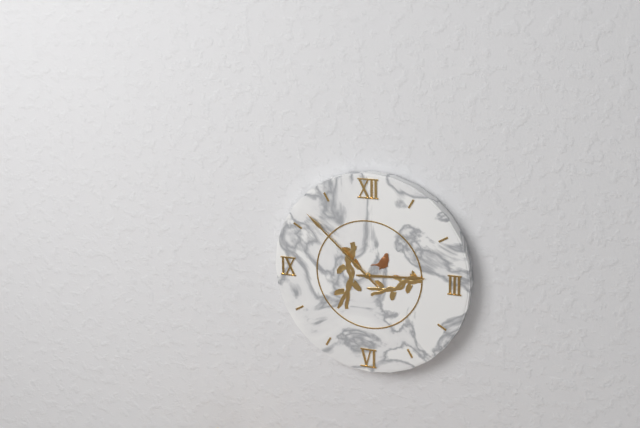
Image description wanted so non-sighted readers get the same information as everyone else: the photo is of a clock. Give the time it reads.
2:52
